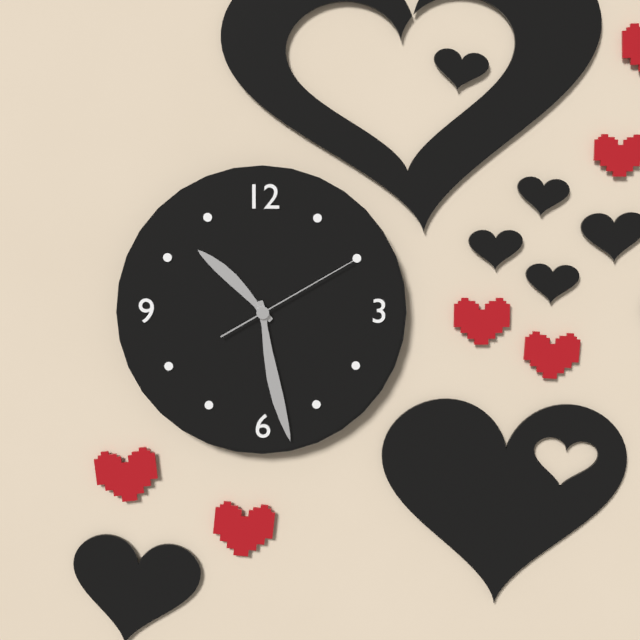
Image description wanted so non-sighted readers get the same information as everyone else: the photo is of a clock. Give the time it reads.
10:28:10
